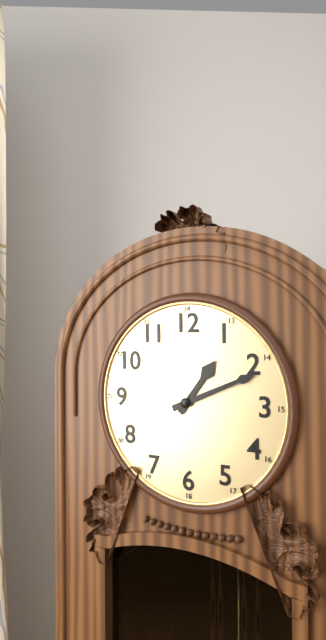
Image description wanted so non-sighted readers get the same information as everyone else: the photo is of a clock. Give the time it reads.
1:11
